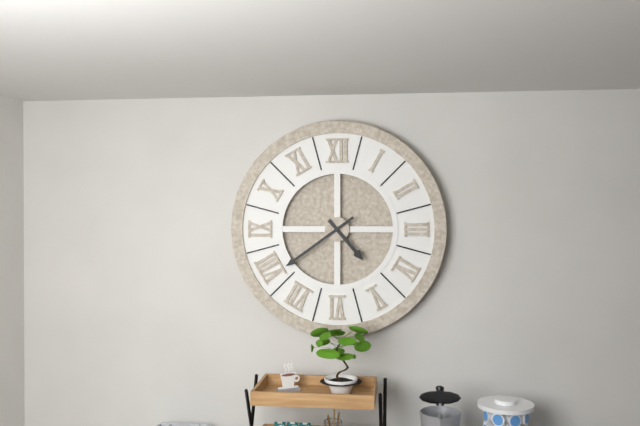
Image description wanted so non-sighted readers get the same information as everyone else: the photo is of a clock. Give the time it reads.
4:39
